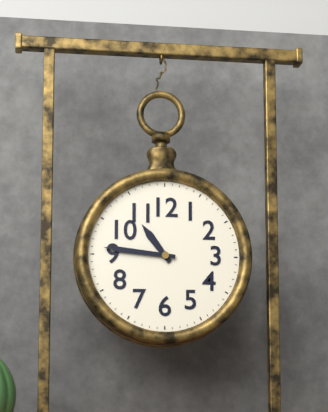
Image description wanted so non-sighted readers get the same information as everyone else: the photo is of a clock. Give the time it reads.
10:46
